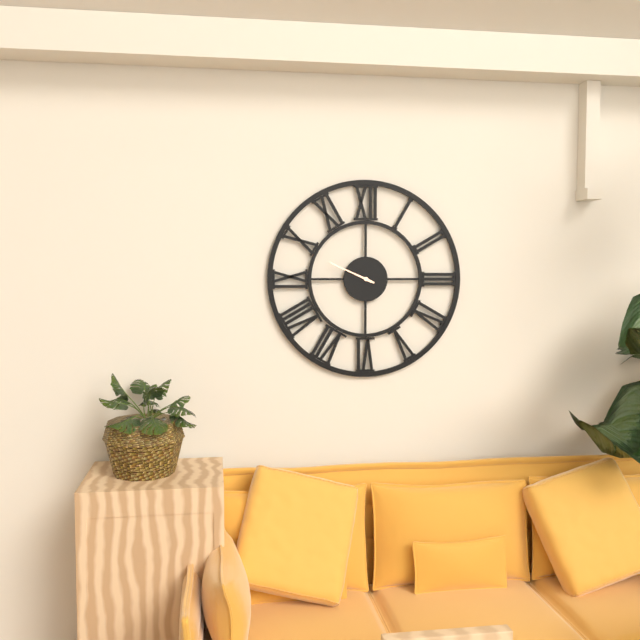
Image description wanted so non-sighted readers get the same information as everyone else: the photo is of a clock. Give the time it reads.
9:49
